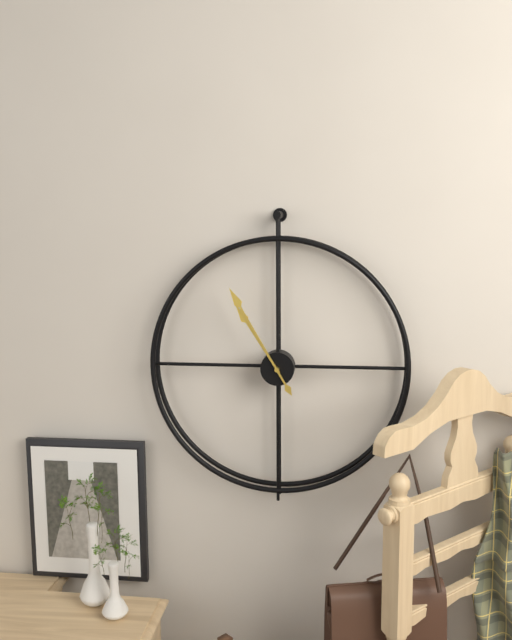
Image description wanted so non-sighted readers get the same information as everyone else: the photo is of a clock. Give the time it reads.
10:55
